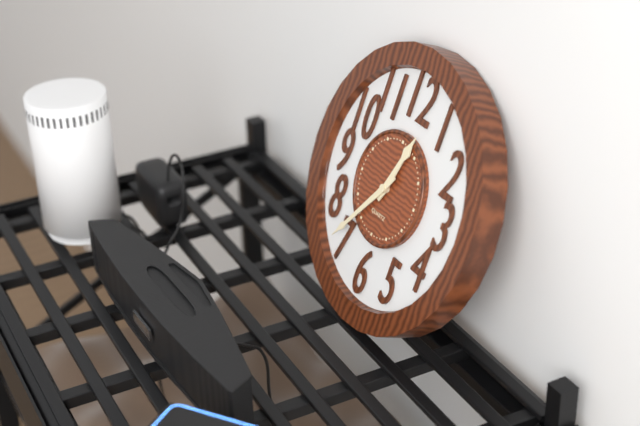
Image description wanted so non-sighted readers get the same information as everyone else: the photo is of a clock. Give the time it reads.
12:36
